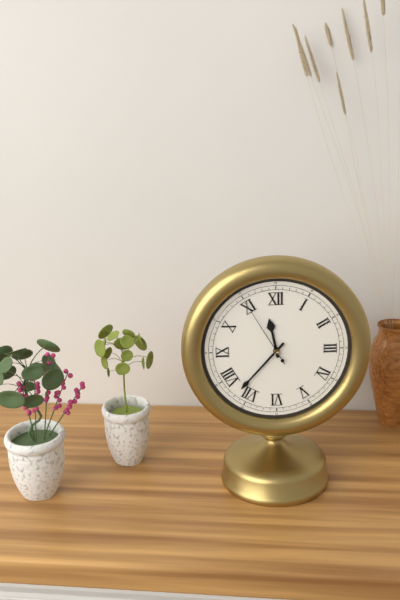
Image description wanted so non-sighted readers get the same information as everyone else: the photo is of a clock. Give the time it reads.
11:37:55
